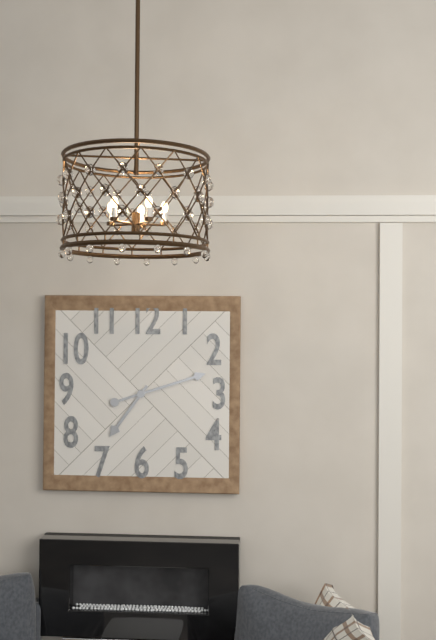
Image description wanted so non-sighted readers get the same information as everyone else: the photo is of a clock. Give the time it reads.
7:12
